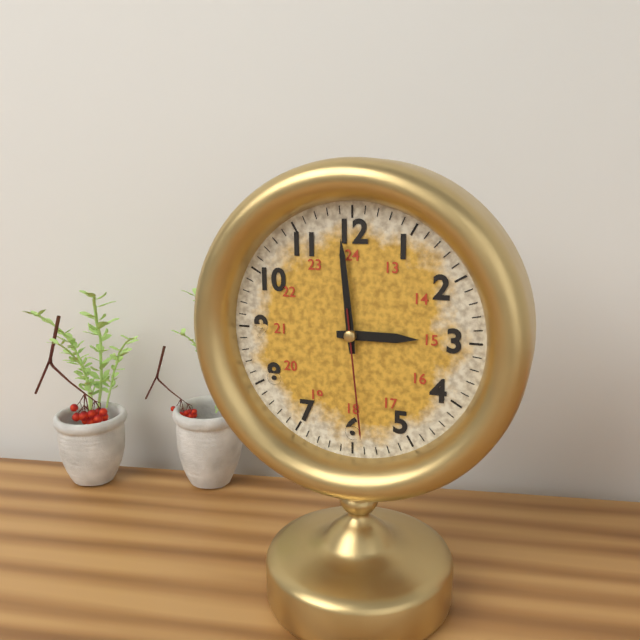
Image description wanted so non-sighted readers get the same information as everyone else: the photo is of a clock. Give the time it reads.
2:59:29
